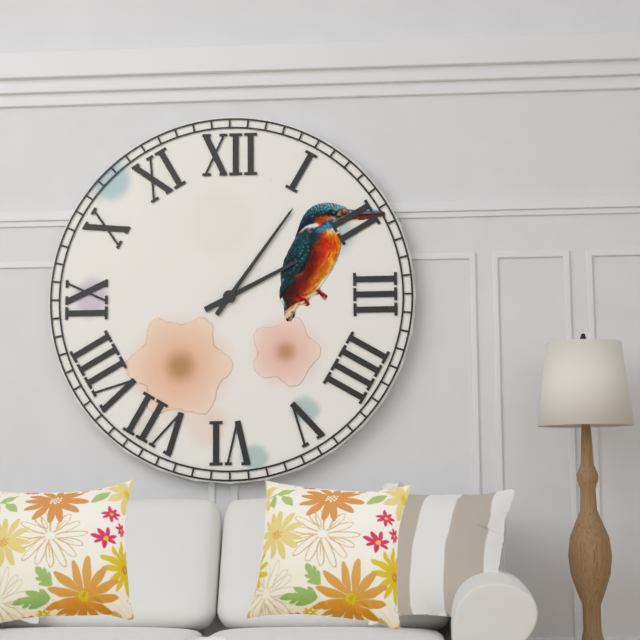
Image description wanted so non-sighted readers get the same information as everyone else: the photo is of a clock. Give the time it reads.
2:06
